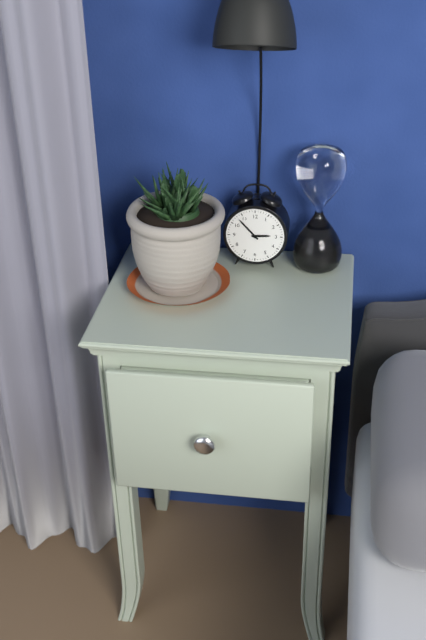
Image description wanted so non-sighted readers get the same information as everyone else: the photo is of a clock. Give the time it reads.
2:53
